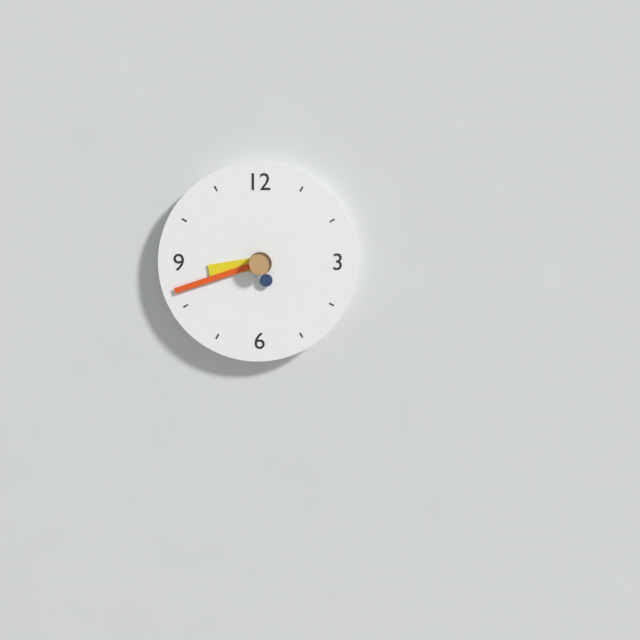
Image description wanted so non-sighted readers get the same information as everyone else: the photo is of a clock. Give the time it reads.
8:42
